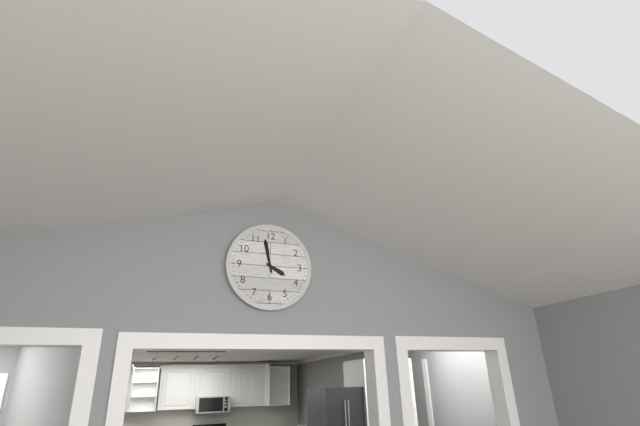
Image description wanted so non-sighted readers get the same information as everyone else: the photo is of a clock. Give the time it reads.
3:58
